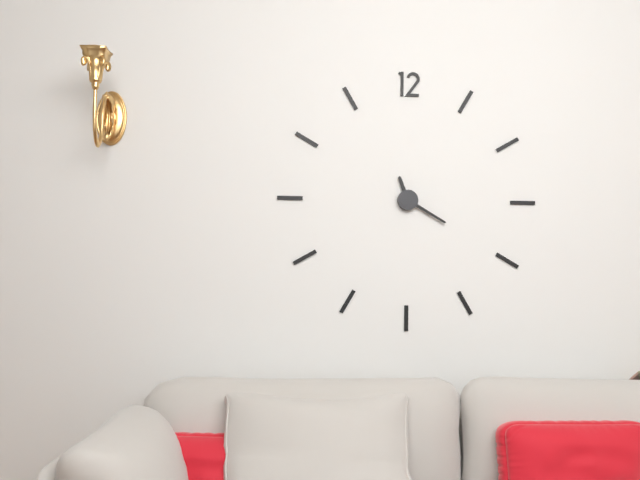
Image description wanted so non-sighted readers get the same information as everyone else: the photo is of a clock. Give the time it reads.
11:20
